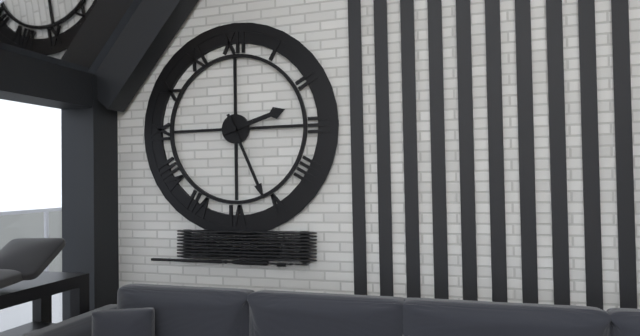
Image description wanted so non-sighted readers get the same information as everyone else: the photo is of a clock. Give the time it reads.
2:26
